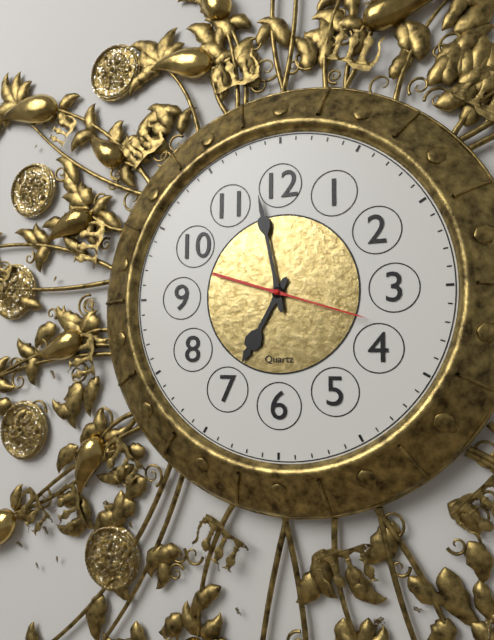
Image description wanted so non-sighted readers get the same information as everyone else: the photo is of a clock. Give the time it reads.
6:58:18
